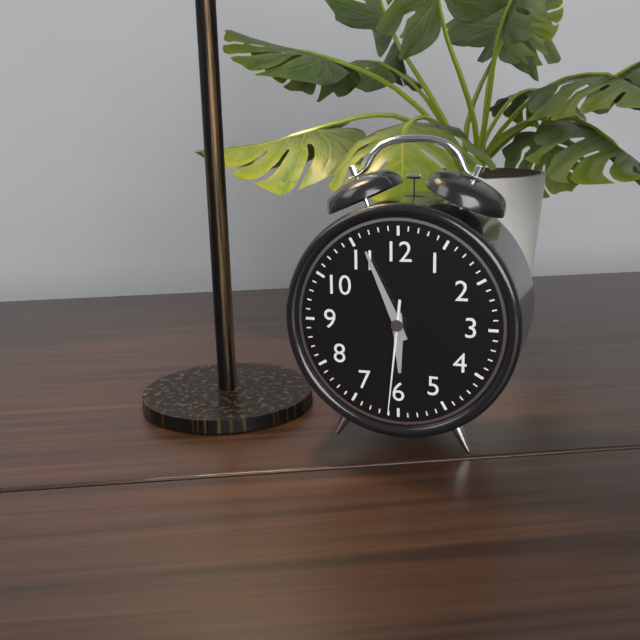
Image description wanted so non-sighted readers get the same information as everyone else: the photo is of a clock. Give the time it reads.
5:56:31
